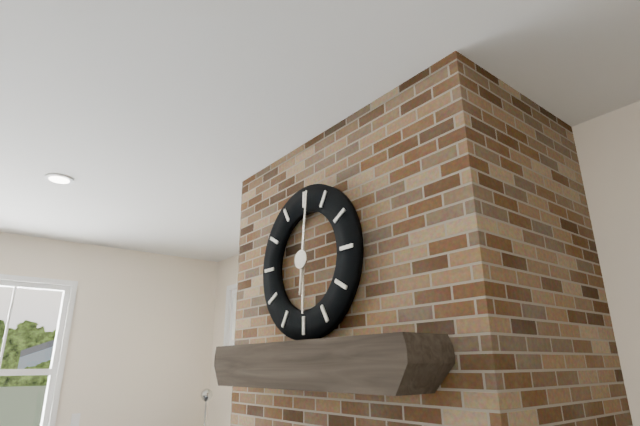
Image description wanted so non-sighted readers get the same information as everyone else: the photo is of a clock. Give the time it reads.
6:01
